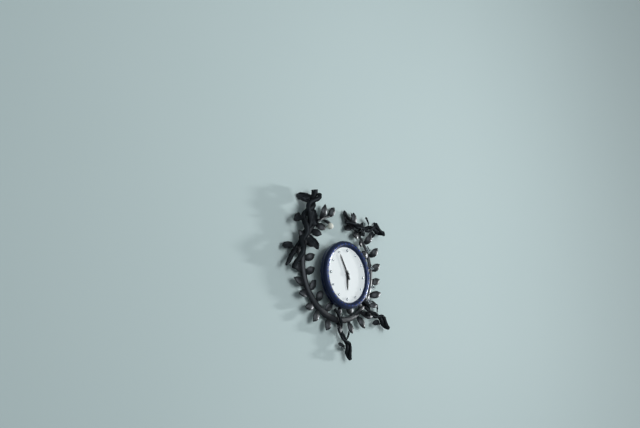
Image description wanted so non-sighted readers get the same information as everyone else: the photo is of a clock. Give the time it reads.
5:55
